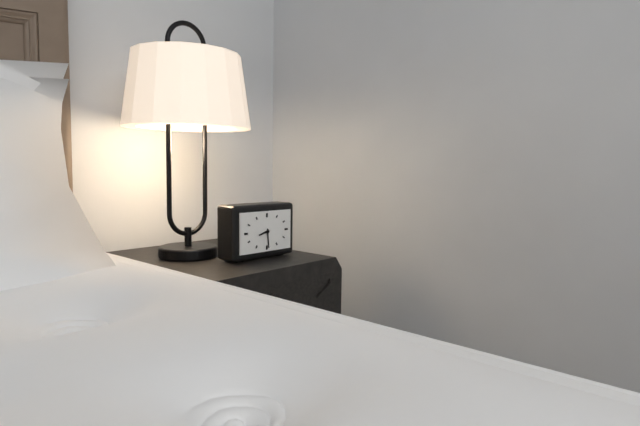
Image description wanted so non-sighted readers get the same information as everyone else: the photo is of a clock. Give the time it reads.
8:29
